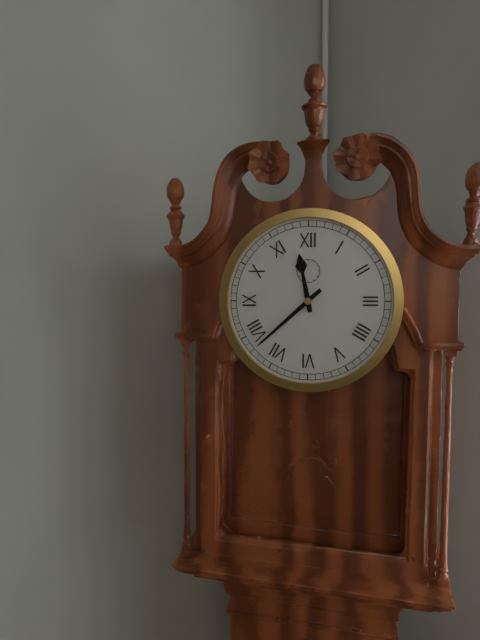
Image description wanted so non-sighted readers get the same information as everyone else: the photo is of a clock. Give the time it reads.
11:38
